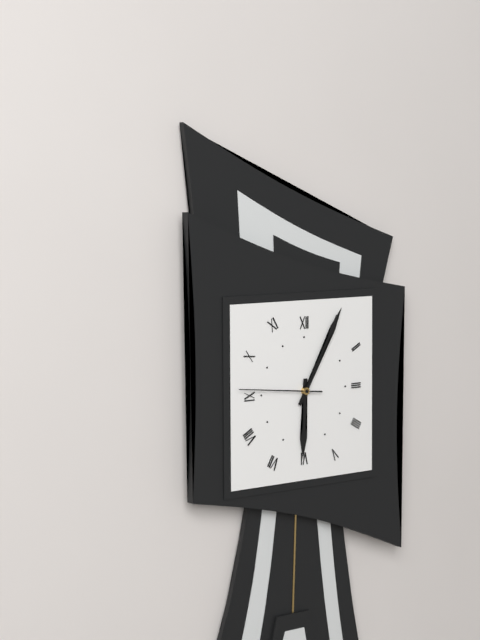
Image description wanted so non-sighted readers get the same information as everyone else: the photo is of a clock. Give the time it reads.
6:05:46
